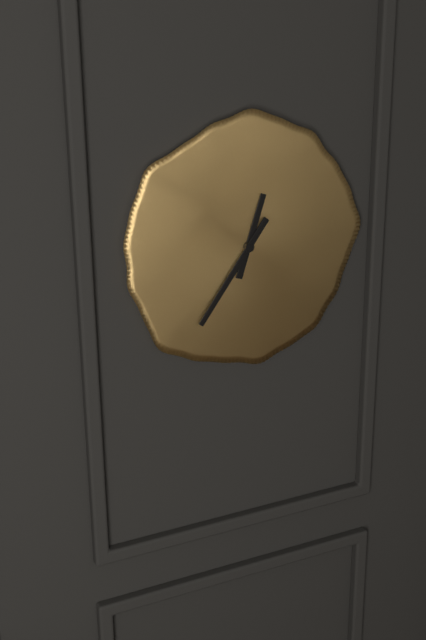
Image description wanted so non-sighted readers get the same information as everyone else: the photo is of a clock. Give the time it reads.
12:36
